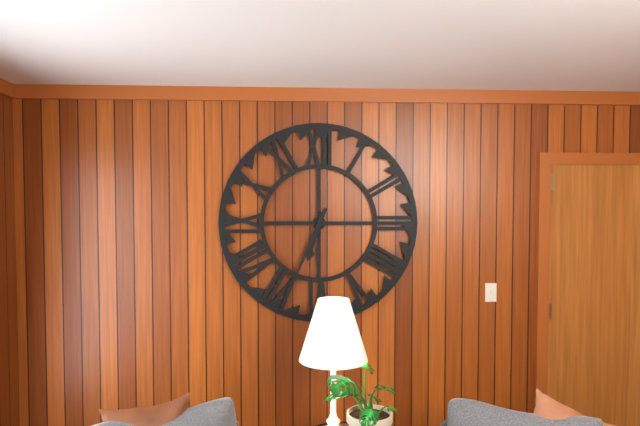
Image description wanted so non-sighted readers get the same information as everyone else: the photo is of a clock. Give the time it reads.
6:34
